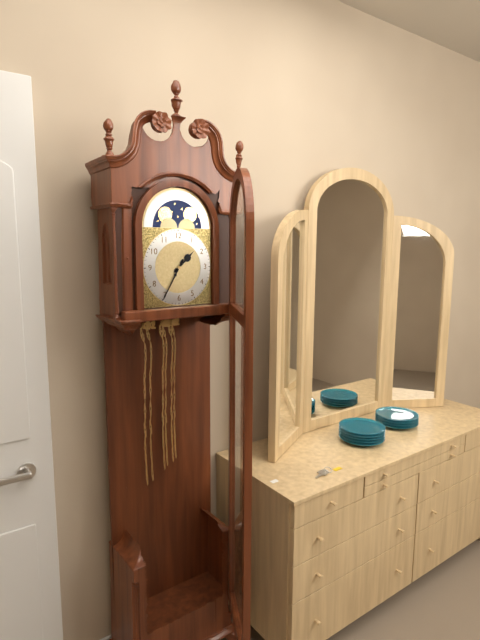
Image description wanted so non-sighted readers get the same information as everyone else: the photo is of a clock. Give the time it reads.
1:35
